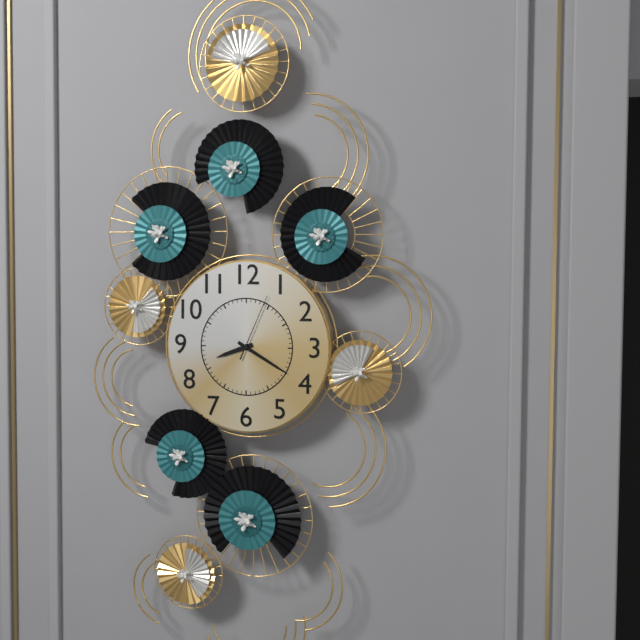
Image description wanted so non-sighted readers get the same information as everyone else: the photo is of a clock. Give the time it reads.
8:20:04
